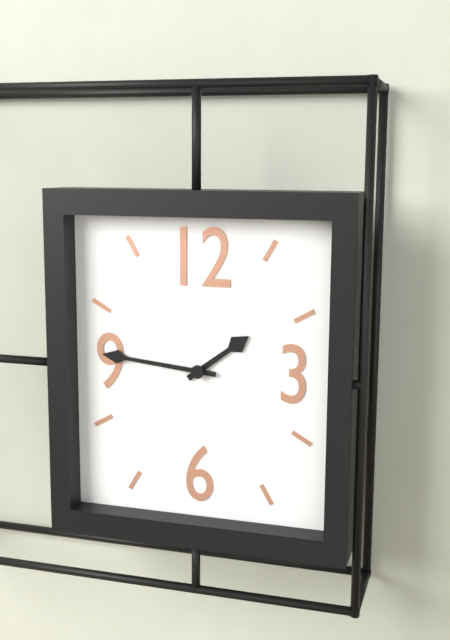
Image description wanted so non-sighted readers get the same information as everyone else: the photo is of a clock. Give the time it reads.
1:46
